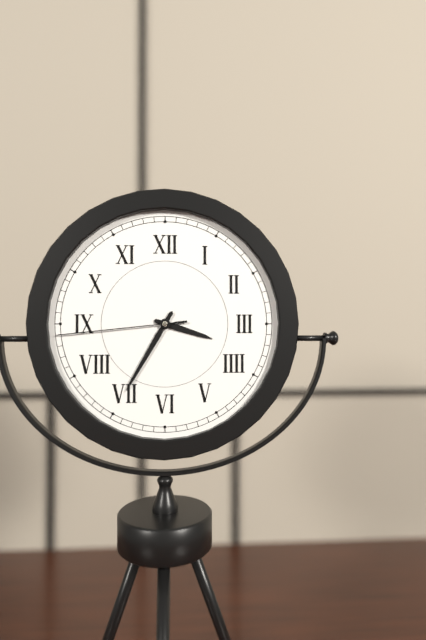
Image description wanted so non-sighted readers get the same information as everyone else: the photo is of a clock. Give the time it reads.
3:35:44
